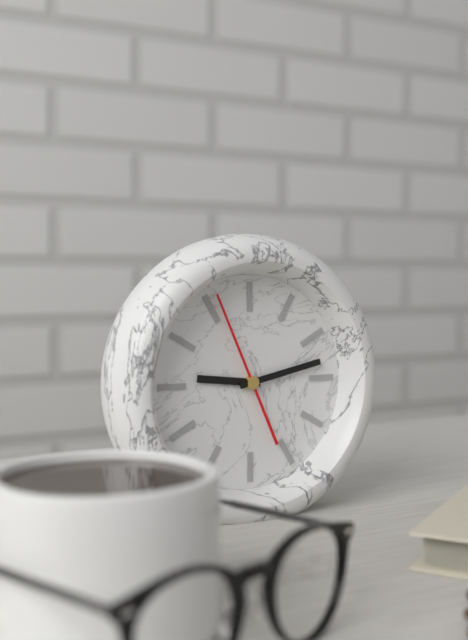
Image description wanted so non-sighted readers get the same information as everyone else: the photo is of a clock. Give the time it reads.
9:13:56
